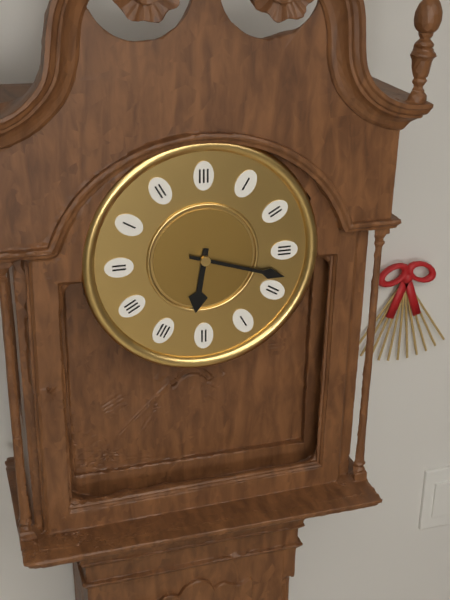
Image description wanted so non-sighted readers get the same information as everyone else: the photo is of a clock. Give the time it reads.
6:18
